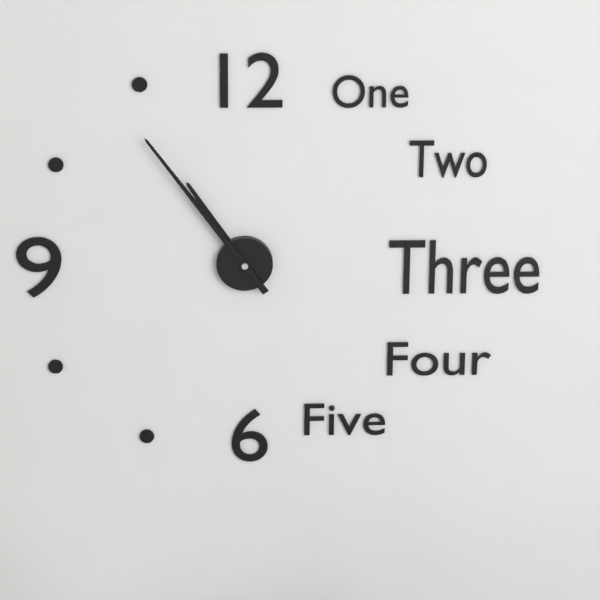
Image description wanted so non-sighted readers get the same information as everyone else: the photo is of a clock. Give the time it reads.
10:54
